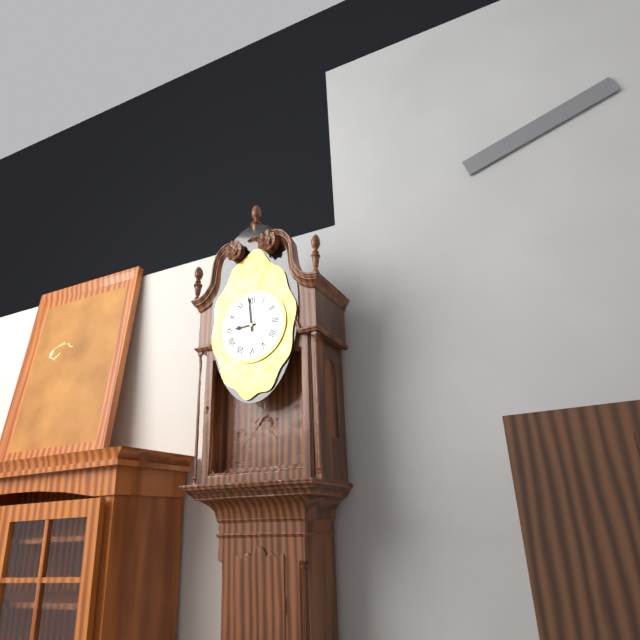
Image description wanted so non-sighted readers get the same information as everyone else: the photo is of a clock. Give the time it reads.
8:59
